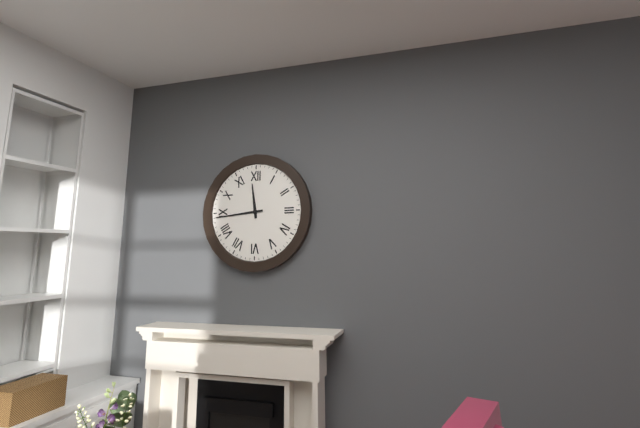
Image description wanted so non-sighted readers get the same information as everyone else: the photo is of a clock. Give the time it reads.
11:44
